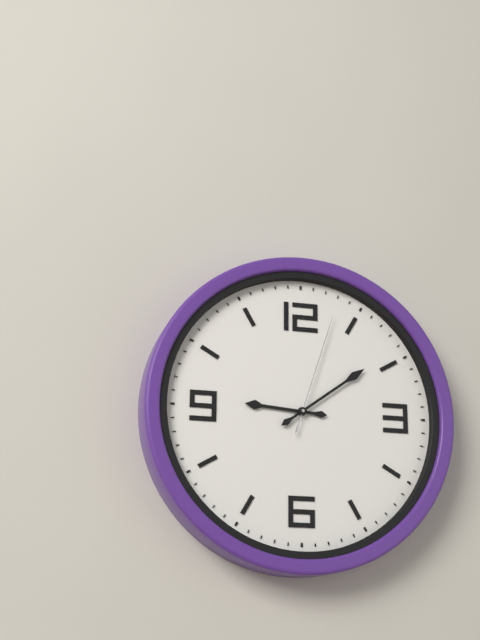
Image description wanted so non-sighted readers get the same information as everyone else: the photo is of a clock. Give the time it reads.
9:09:03
